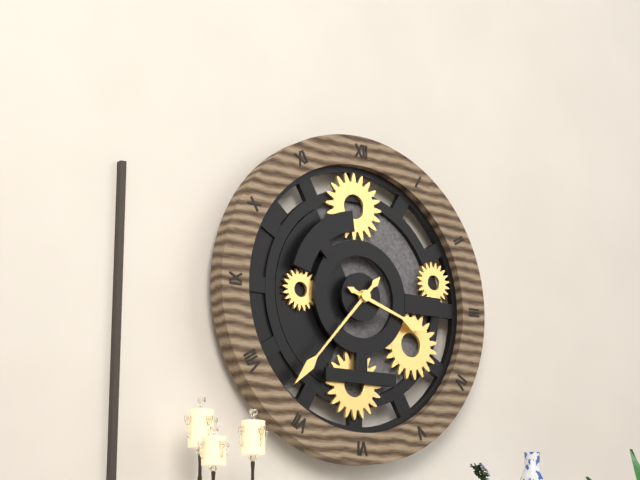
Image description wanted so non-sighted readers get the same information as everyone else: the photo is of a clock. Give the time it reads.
3:37
